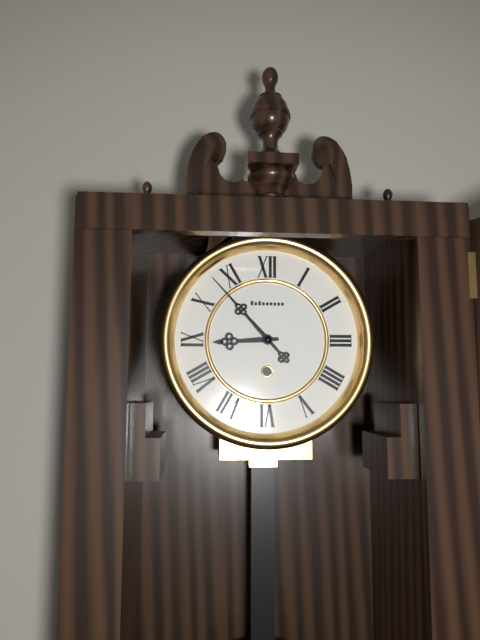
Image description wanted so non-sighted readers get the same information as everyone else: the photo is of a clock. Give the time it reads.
8:53
